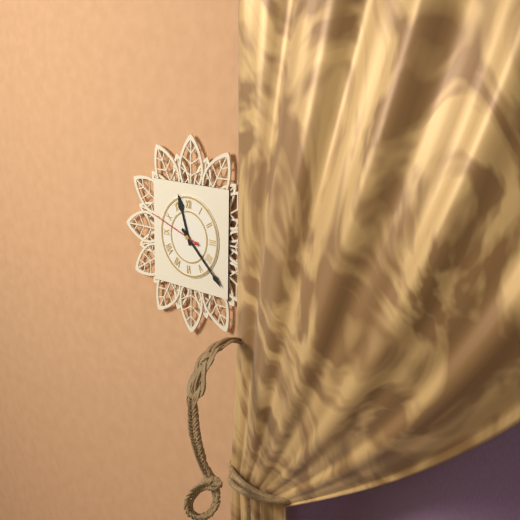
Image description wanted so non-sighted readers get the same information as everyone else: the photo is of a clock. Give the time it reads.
11:22:48
